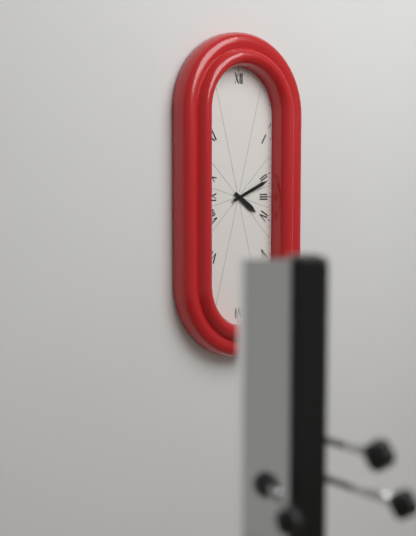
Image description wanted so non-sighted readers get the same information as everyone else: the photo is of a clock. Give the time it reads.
4:11
